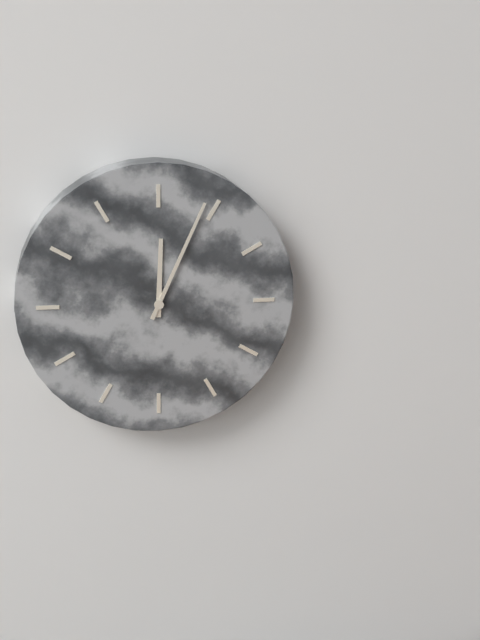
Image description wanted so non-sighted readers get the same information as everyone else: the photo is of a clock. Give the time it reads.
12:04
